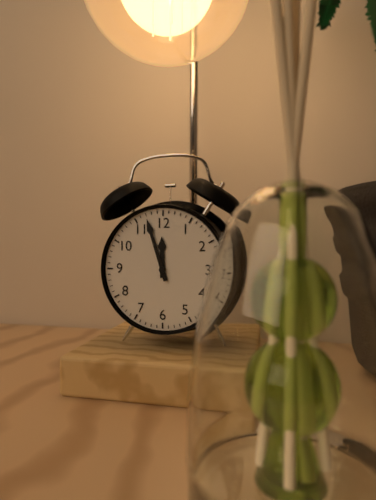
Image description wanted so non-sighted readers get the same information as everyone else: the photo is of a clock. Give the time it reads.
11:57
